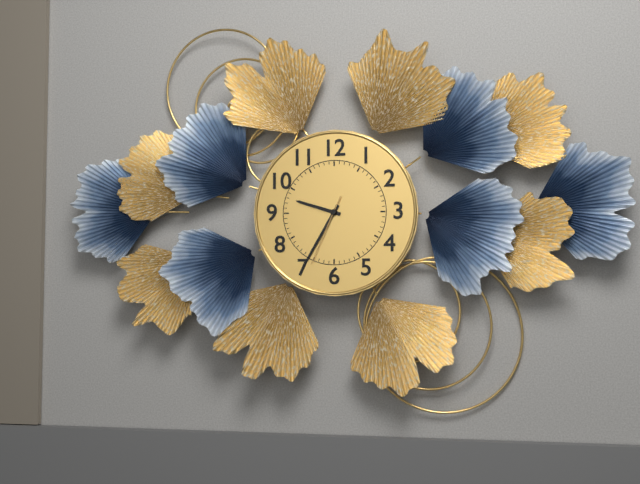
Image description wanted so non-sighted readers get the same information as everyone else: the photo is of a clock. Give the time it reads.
9:35:34
